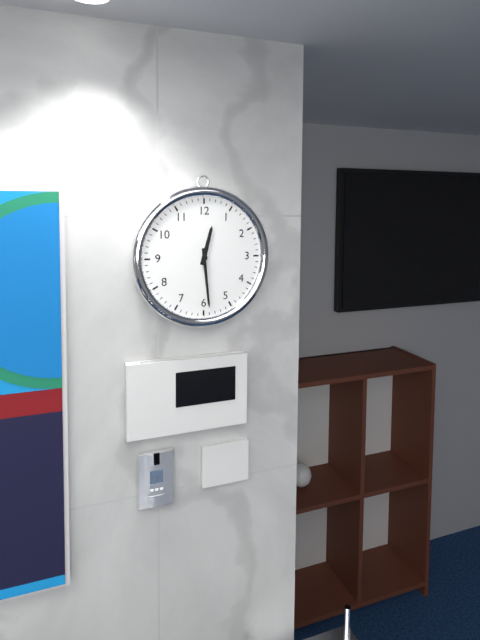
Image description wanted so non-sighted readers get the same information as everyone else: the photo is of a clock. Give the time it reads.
12:29
